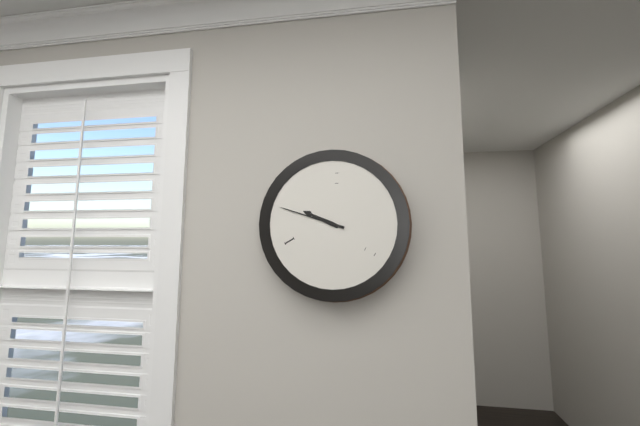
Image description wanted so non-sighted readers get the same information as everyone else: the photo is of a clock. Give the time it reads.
9:48
